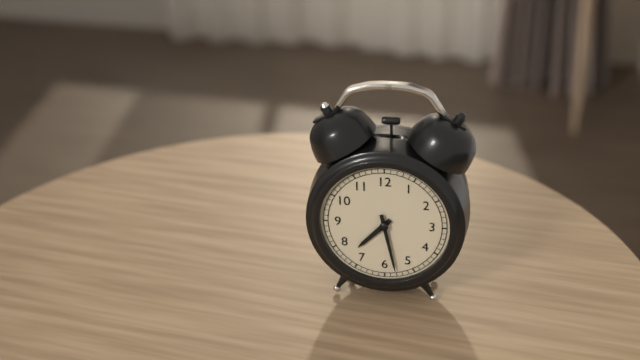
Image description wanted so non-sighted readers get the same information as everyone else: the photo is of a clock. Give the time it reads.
7:28
